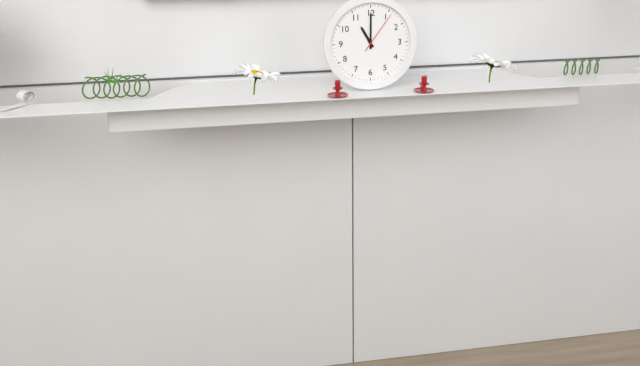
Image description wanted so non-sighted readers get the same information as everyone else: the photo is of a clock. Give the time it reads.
11:00
